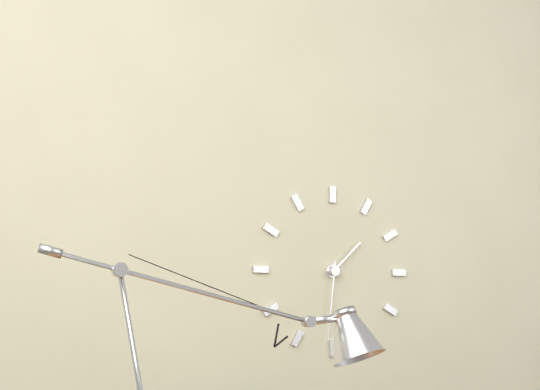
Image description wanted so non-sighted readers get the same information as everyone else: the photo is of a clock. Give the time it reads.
1:31
